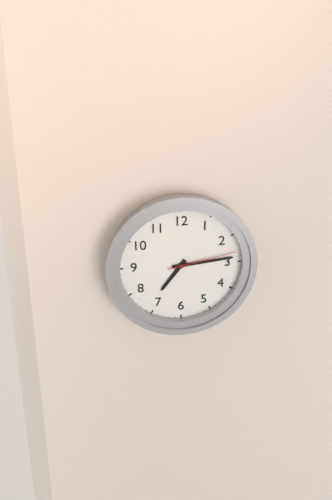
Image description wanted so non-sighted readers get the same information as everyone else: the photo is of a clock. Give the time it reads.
7:14:13
